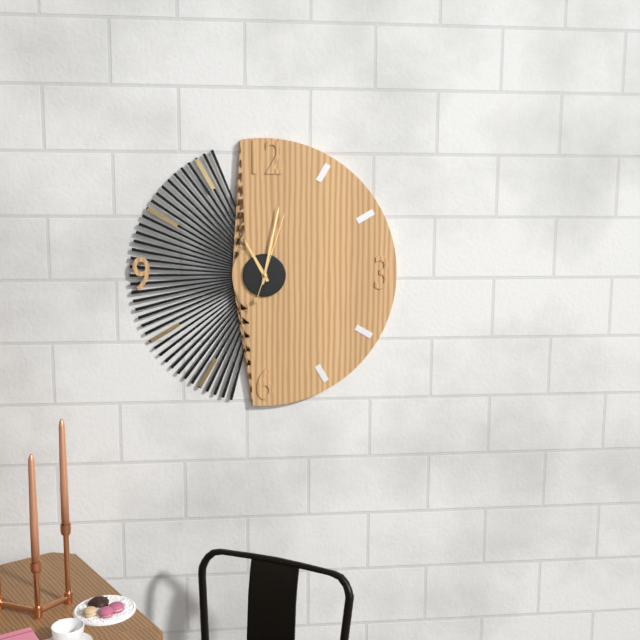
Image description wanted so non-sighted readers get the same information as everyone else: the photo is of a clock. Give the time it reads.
11:02:03
